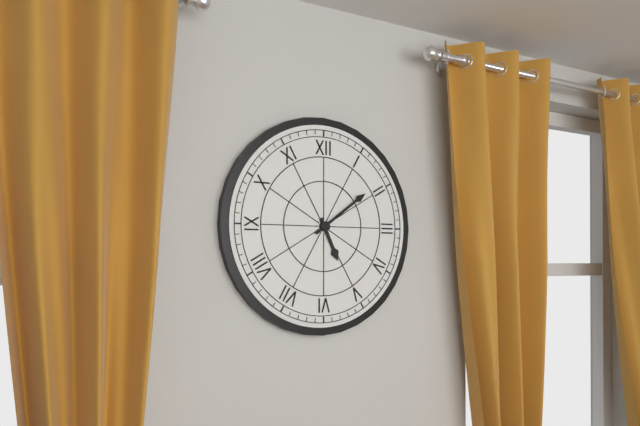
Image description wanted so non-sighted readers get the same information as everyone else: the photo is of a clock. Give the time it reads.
5:09
